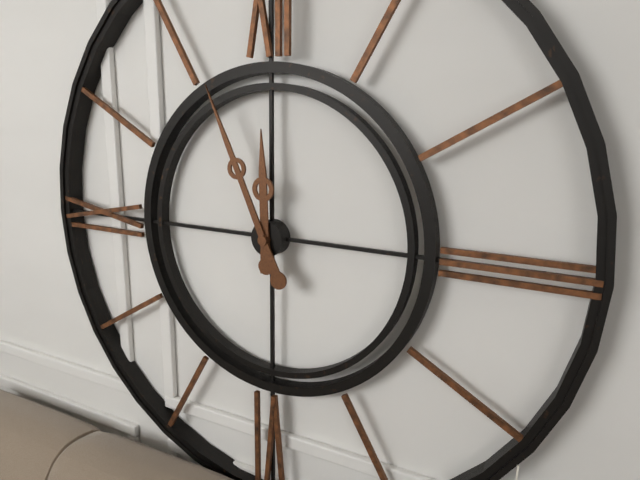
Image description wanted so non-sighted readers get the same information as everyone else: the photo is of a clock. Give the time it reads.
11:56
